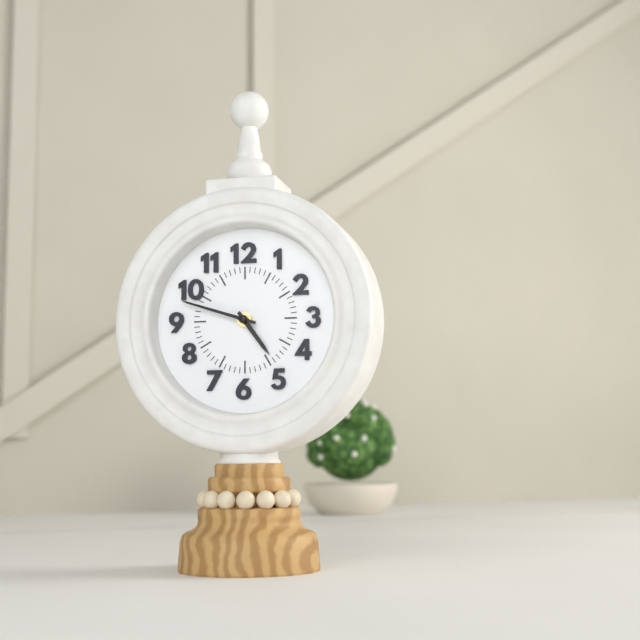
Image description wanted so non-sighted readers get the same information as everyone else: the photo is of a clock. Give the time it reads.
4:48
